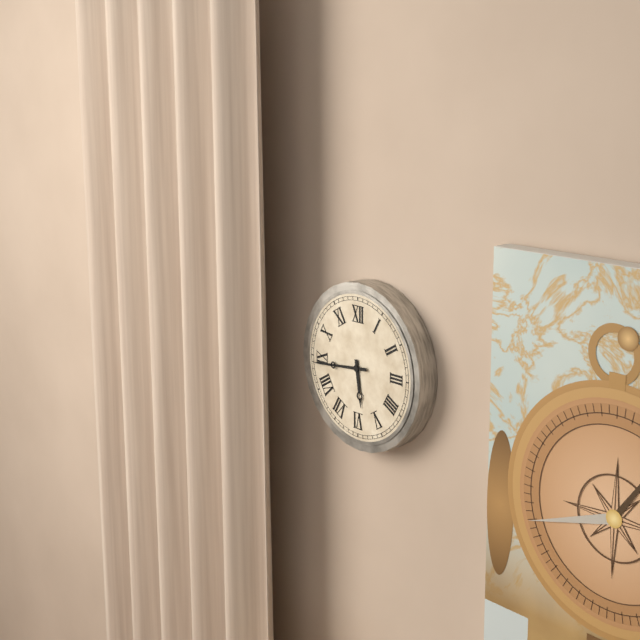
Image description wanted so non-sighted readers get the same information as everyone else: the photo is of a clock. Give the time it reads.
5:44
